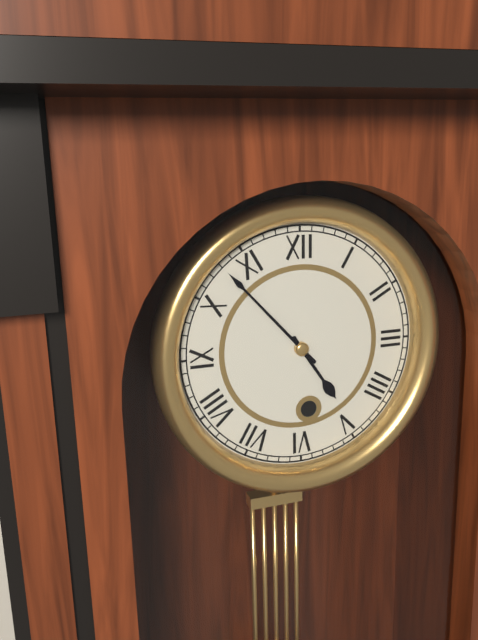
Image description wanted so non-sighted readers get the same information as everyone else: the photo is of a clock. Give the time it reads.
4:53
